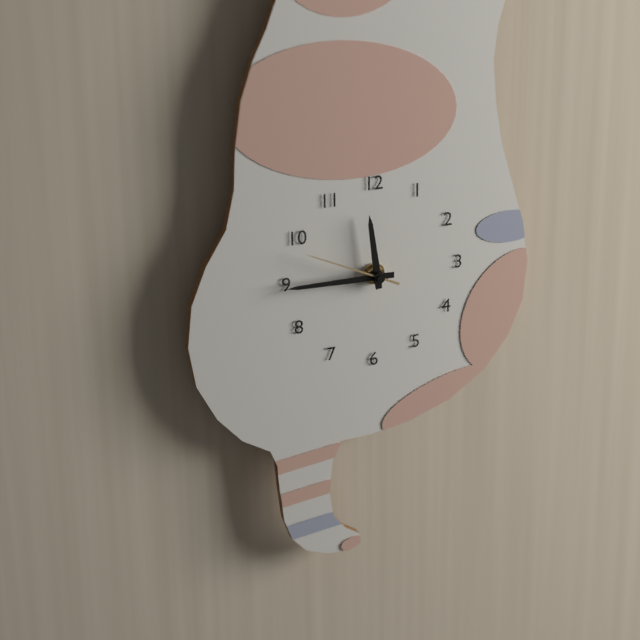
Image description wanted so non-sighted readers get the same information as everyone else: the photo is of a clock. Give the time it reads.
11:45:49
